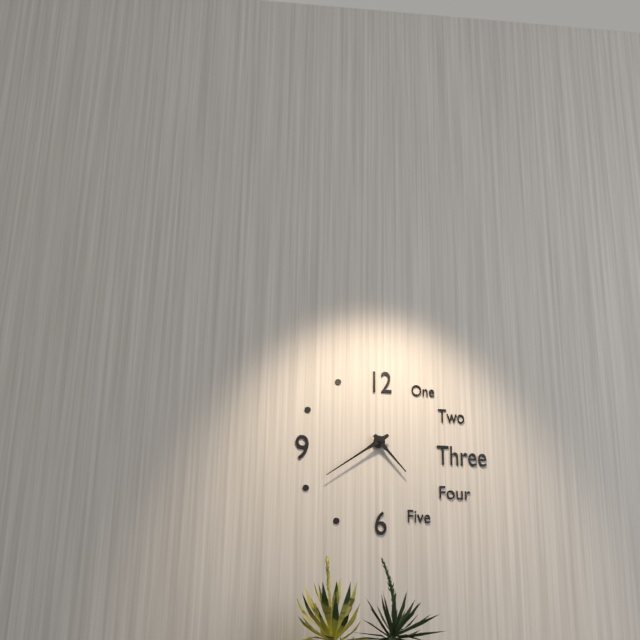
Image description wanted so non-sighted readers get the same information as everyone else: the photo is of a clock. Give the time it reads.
4:39
